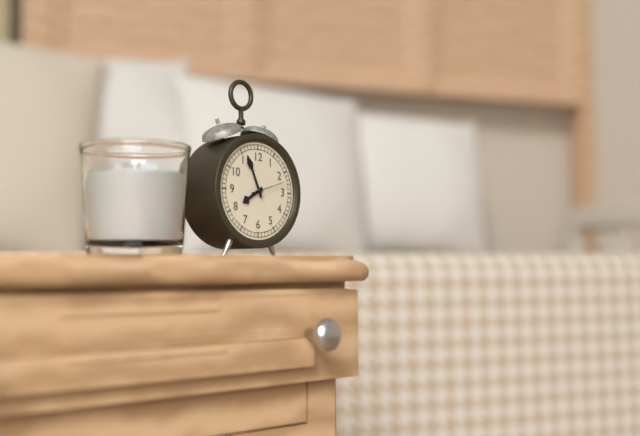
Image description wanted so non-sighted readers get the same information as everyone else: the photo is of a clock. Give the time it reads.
7:56
